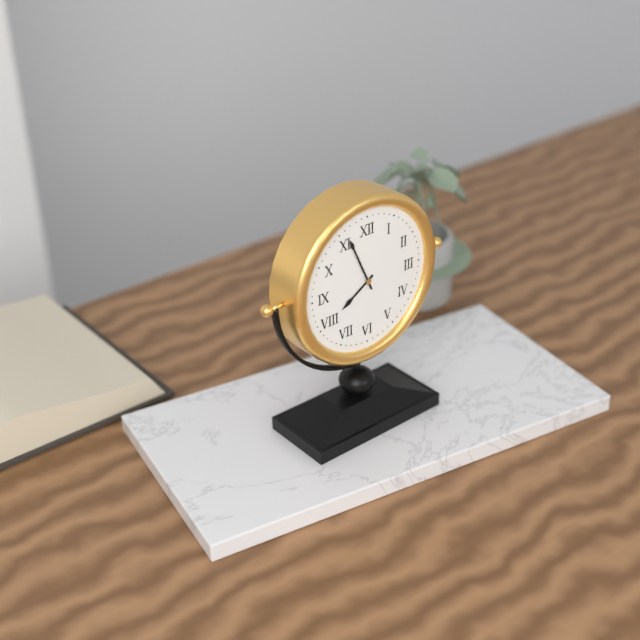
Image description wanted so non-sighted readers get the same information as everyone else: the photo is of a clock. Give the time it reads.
7:56
